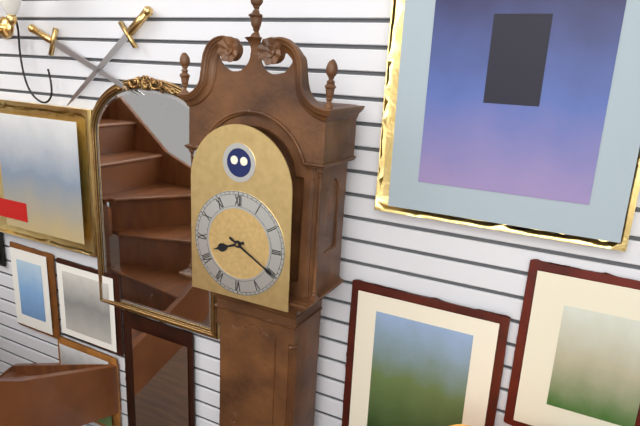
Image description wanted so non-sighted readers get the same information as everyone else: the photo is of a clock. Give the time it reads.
8:20
